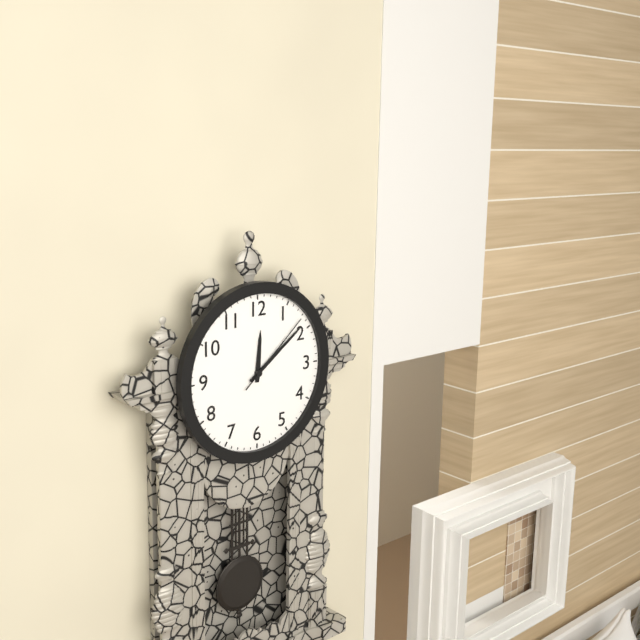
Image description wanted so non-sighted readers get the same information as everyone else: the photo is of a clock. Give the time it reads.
12:09:08
